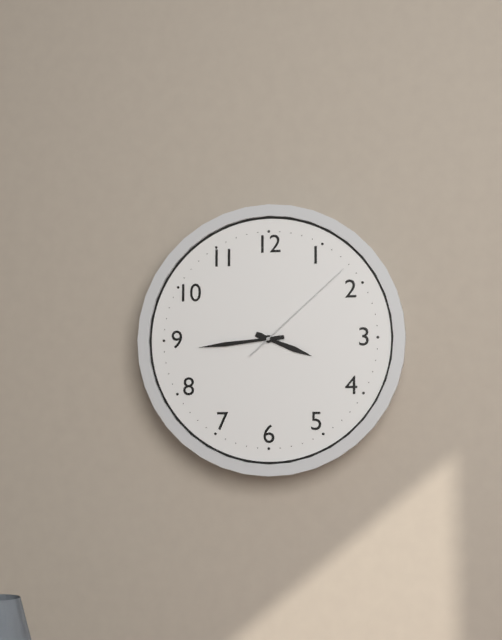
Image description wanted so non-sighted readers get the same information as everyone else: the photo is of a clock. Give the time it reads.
3:44:08
